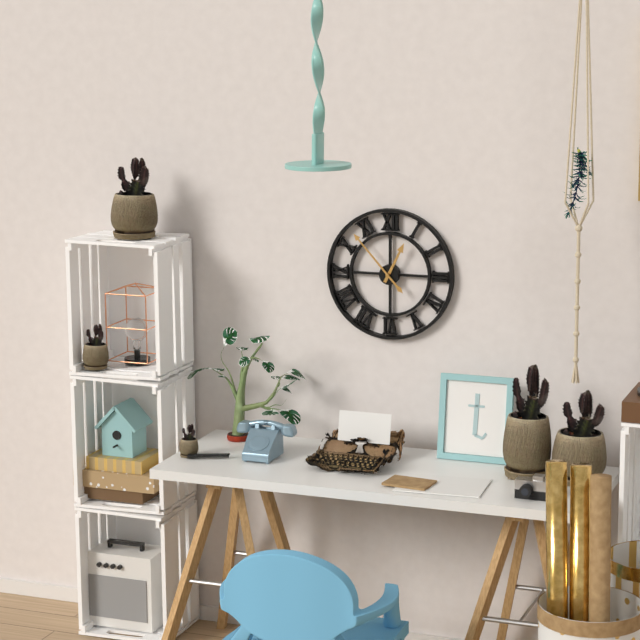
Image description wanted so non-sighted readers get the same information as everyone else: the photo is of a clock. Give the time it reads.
12:53
